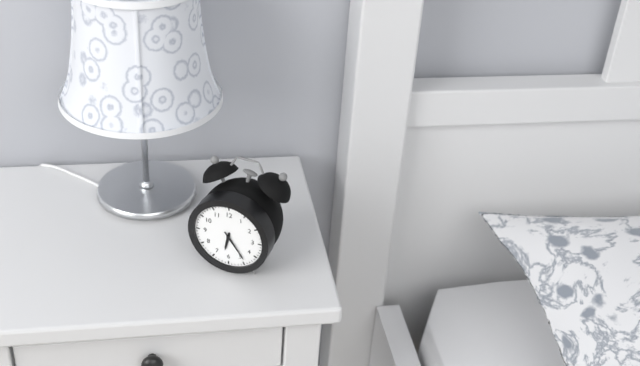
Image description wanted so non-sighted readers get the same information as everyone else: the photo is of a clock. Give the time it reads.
6:24
